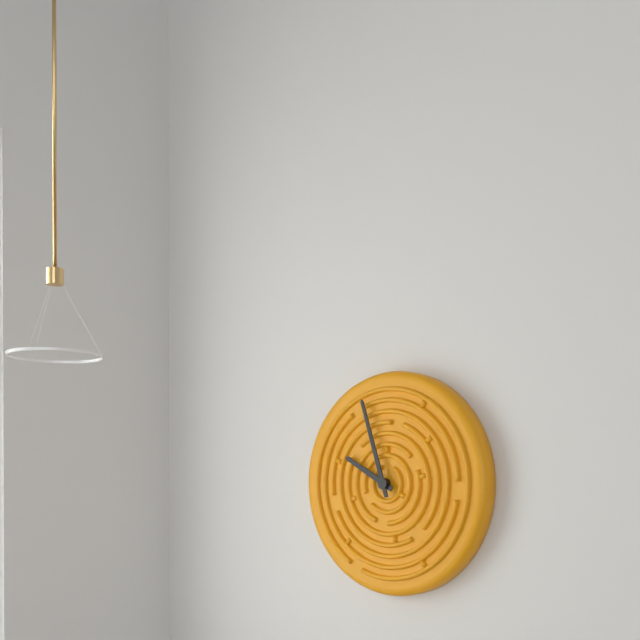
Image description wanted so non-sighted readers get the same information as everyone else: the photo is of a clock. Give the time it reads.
9:57
